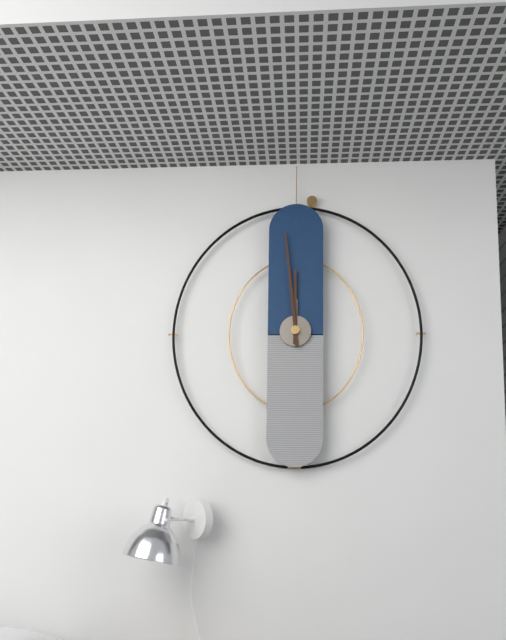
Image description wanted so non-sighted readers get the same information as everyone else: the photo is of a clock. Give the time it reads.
11:59
